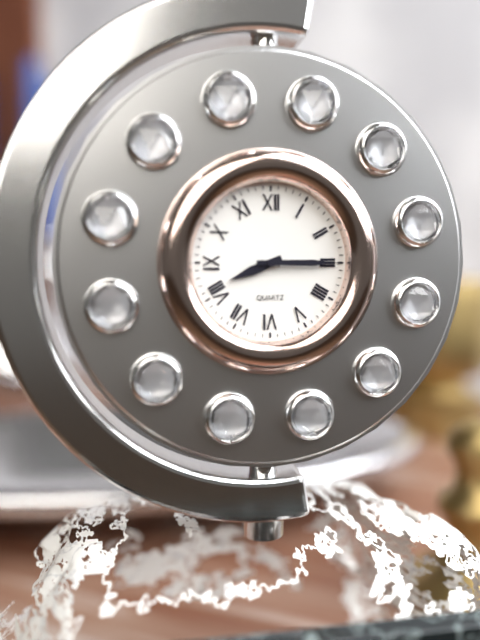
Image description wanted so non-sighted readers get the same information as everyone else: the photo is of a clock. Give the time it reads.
8:15
